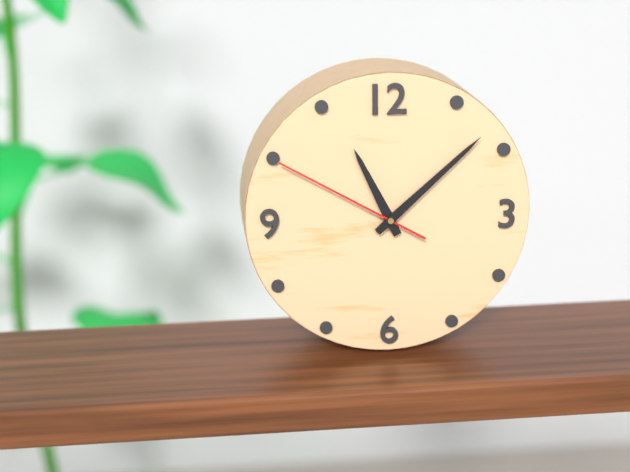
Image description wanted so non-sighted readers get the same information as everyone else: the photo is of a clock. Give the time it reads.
11:08:50
